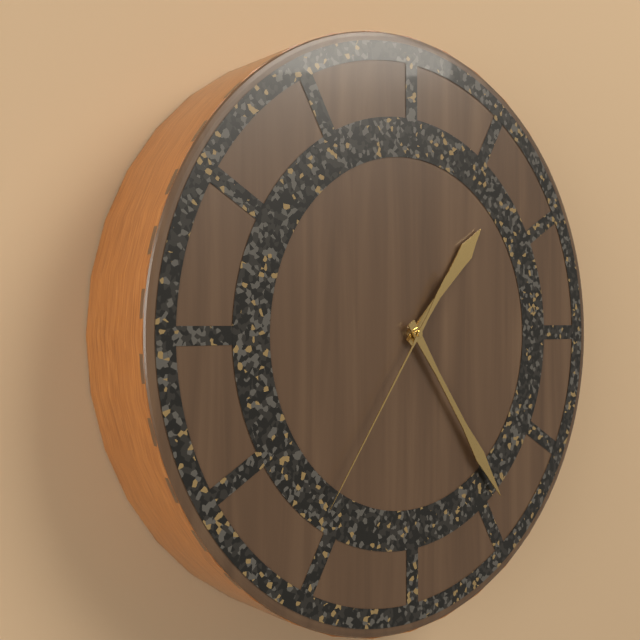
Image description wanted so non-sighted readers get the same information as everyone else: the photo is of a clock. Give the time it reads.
1:24:36
